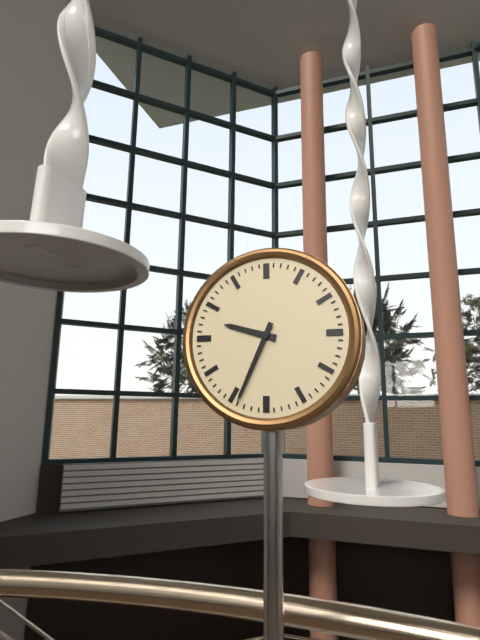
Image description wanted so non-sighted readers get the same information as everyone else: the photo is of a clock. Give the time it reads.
9:34
